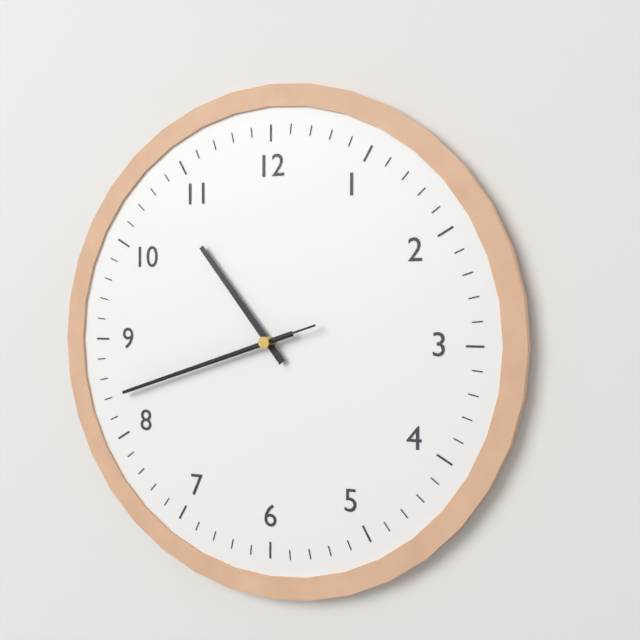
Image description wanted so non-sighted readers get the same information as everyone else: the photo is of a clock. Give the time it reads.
10:42:42
